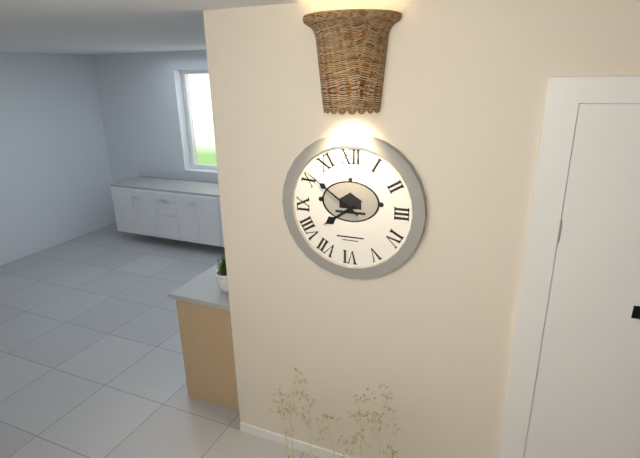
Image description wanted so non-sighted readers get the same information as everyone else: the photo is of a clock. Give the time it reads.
7:51
